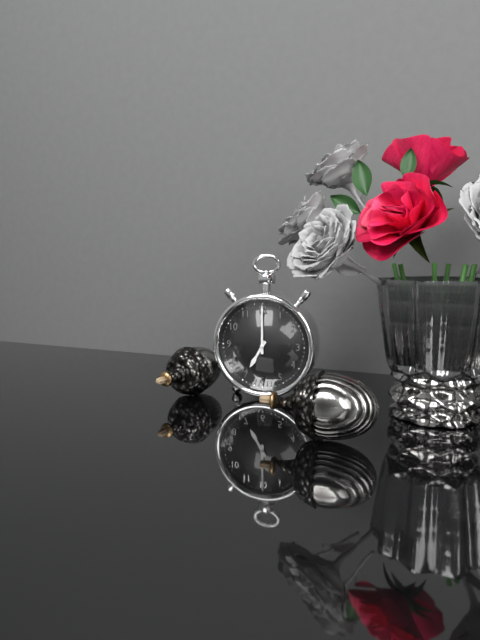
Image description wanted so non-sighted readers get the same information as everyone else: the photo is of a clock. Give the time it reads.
7:00
